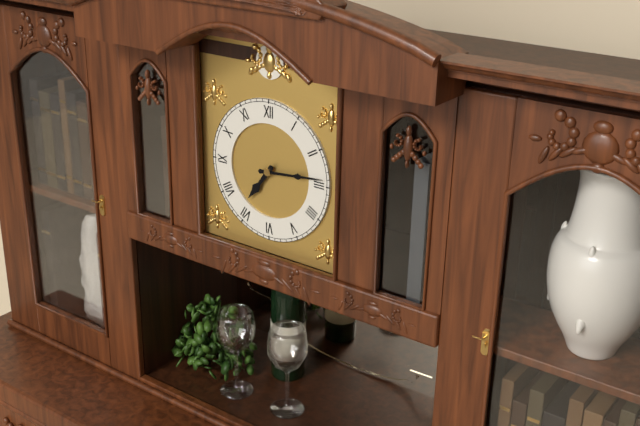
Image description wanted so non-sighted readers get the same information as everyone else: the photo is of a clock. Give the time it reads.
7:14
